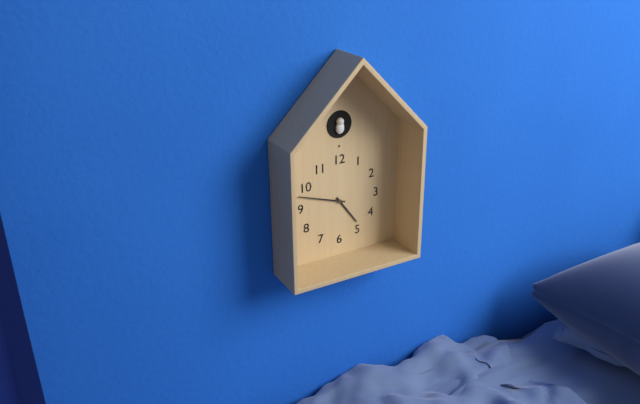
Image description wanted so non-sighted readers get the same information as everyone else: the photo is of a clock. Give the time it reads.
4:48
